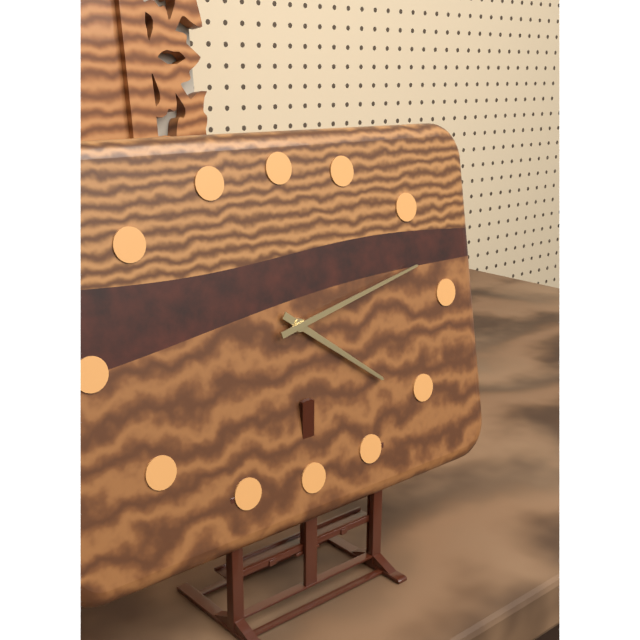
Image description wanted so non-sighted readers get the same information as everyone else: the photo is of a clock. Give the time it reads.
4:13
